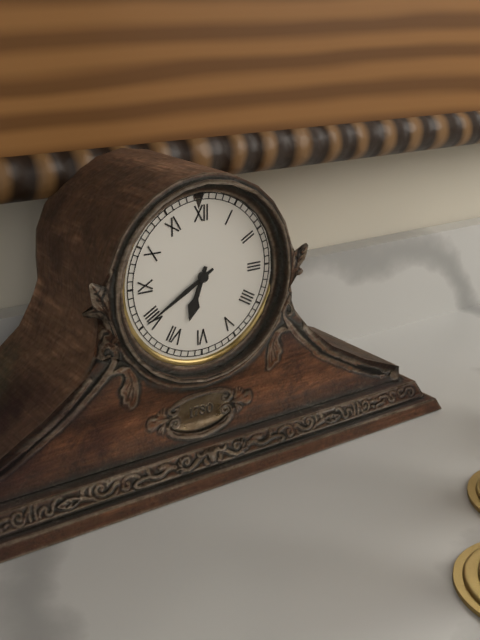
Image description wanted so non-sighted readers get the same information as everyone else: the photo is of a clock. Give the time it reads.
6:40
